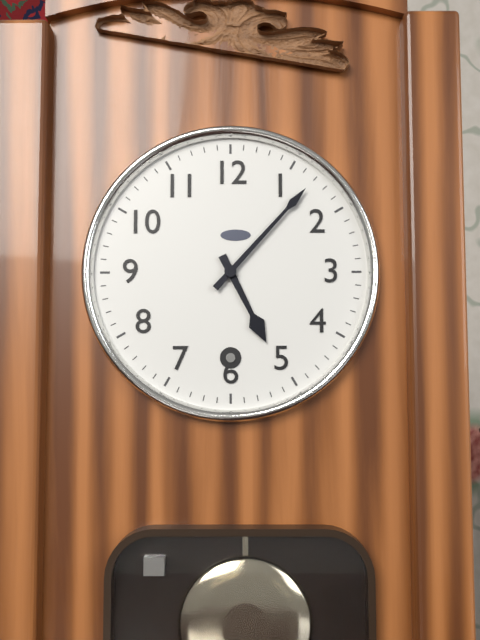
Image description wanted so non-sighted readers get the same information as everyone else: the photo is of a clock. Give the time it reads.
5:07
